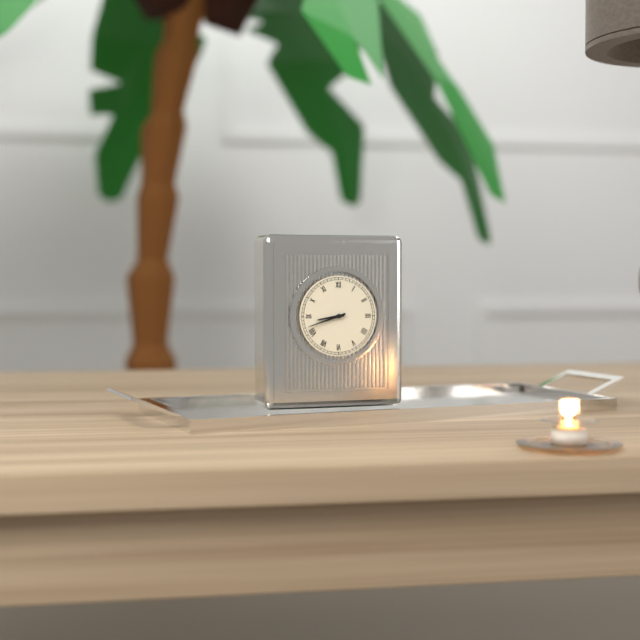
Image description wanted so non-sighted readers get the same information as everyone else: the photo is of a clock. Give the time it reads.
8:42
